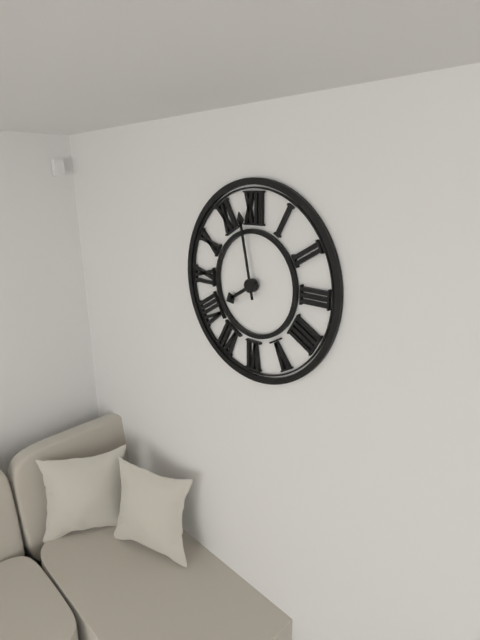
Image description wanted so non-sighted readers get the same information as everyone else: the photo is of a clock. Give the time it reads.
7:58
